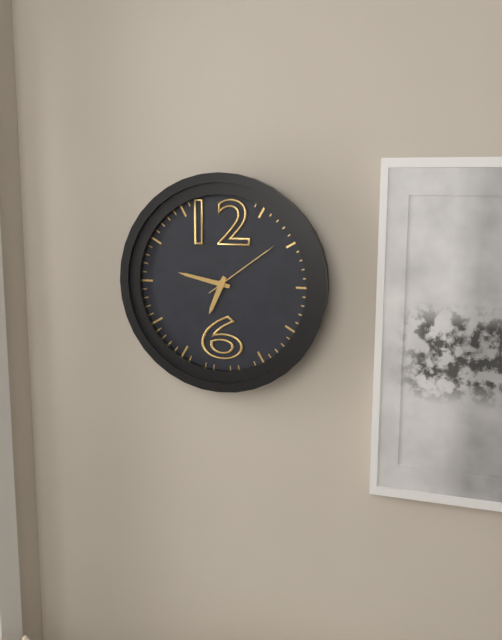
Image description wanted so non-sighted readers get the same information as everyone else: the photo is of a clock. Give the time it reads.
6:47:09
